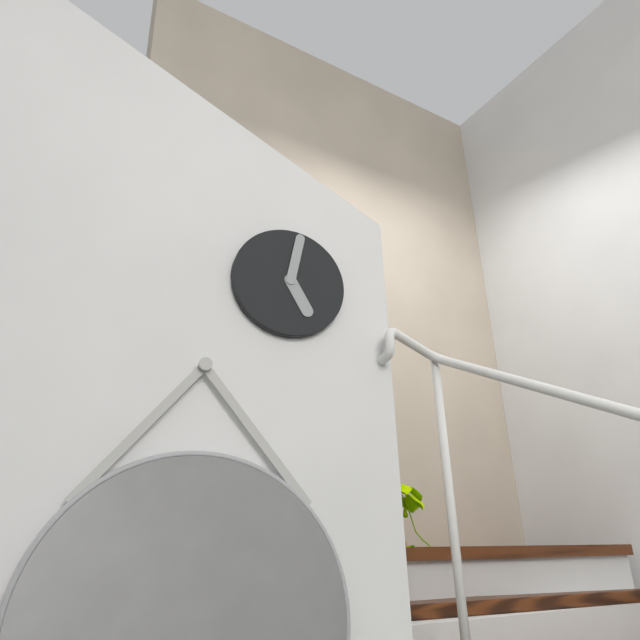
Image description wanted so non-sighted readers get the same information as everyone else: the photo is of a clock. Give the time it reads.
5:02
